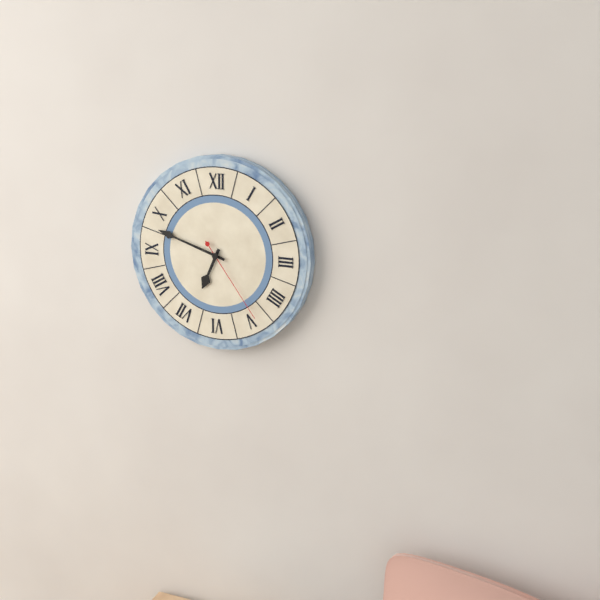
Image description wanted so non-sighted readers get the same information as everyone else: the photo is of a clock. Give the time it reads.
6:48:24
